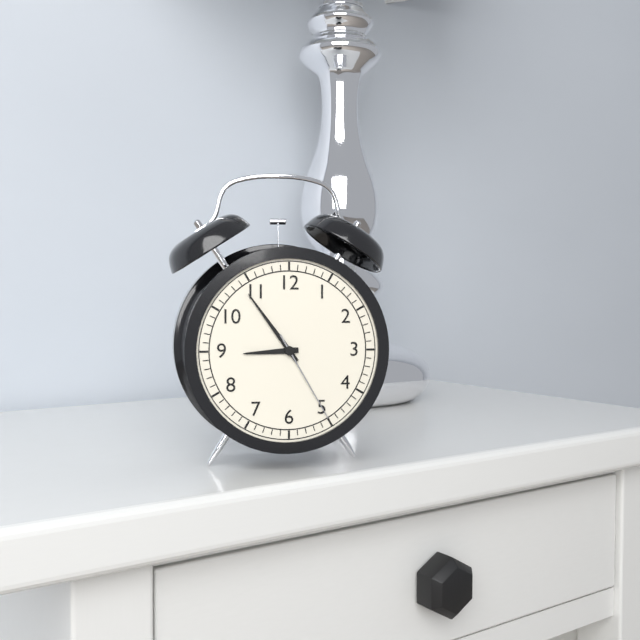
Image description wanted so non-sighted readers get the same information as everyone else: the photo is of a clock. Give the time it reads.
8:54:25
